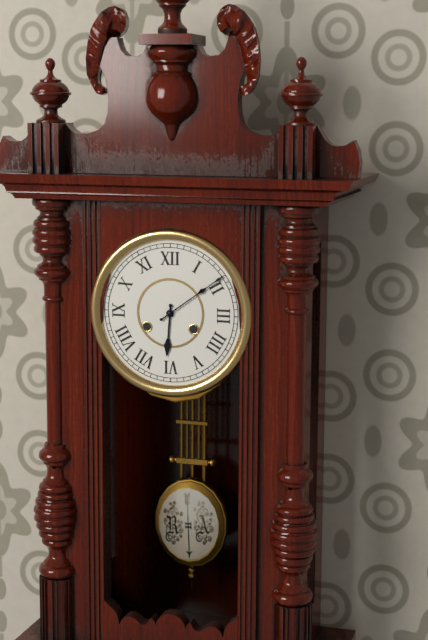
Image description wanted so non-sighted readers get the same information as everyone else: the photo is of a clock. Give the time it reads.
6:09
